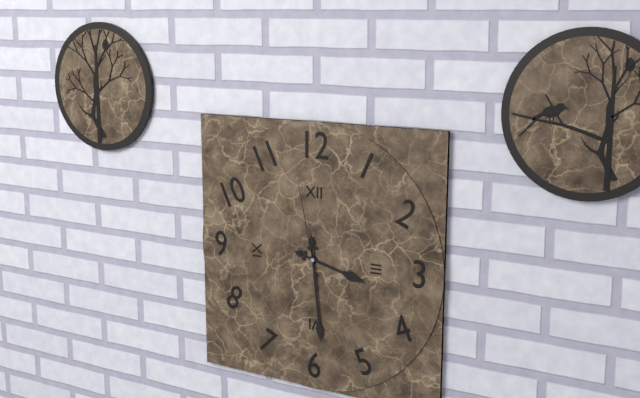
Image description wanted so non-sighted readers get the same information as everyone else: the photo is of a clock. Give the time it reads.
3:29:58
